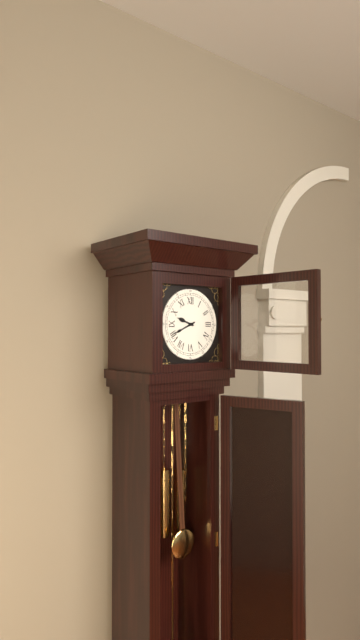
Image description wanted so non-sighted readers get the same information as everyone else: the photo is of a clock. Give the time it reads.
9:41
